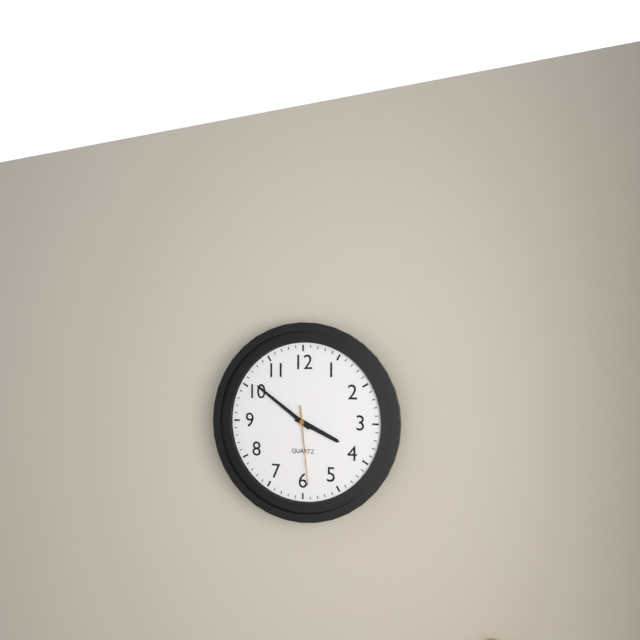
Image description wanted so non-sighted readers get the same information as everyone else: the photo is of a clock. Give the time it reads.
3:51:29
